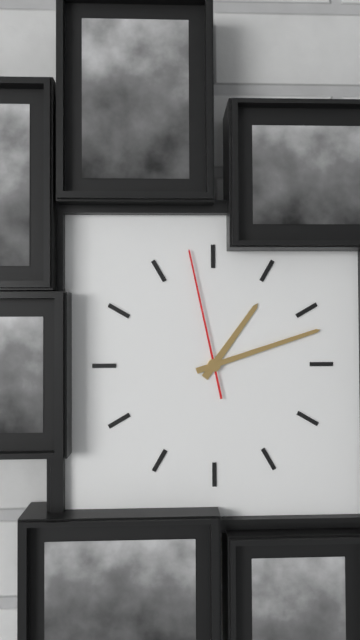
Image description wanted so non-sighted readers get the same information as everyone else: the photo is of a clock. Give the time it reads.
1:12:58
